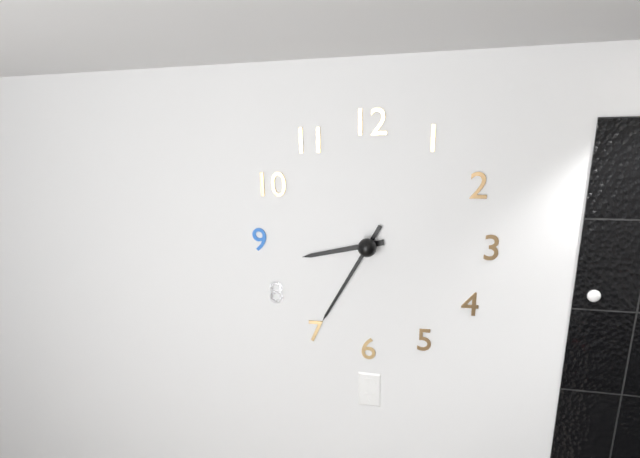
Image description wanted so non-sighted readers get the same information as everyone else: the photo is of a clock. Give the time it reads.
8:35
